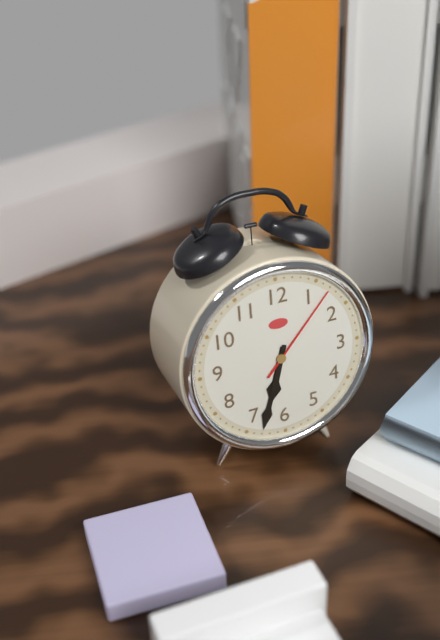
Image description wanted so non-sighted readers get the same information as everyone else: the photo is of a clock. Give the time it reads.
6:33:07
